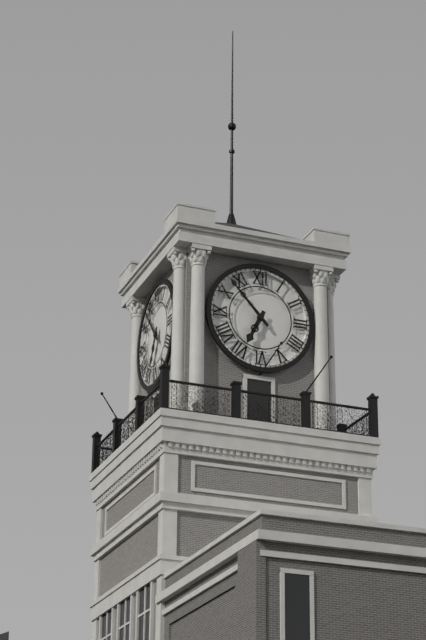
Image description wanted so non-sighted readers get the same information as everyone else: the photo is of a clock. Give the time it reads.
6:53
